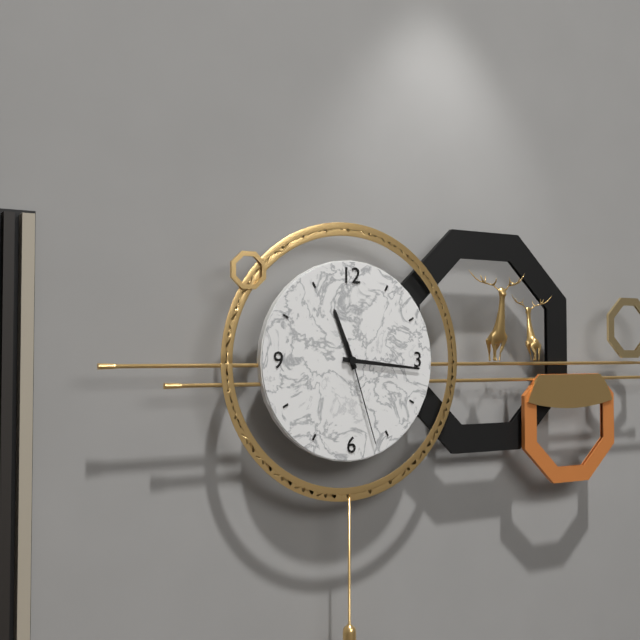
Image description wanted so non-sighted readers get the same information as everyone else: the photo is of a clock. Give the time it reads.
11:16:27
